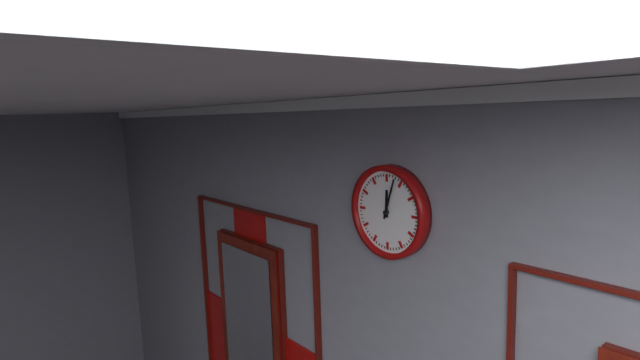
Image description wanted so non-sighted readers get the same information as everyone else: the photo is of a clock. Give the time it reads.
12:03
